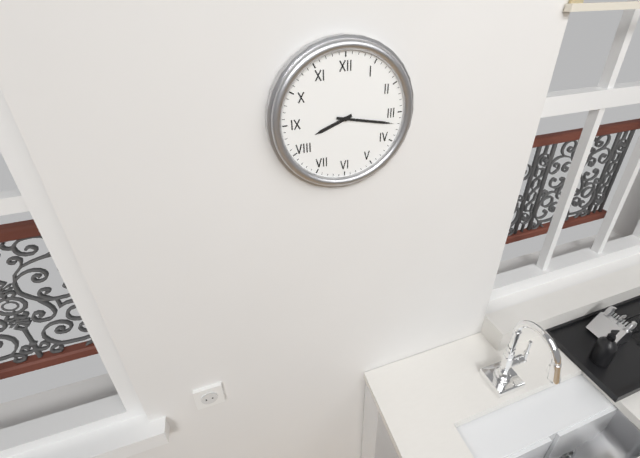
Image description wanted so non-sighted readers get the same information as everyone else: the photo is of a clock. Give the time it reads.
8:17
